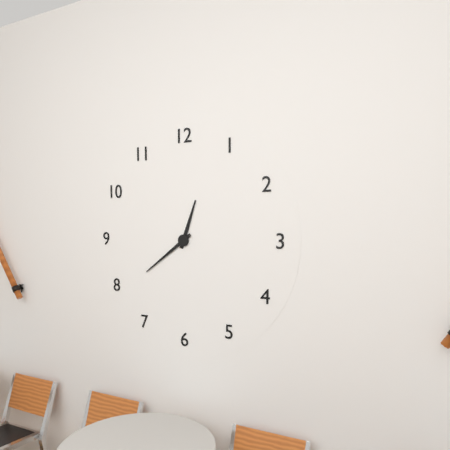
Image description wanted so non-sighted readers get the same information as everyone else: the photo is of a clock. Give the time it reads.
12:39
